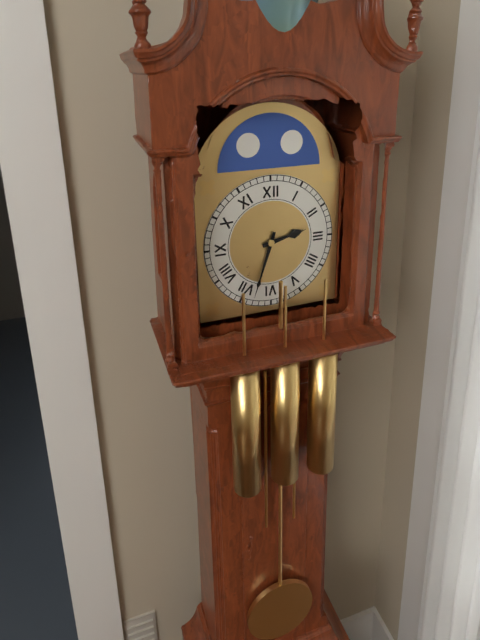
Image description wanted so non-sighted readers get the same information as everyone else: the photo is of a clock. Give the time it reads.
2:33
